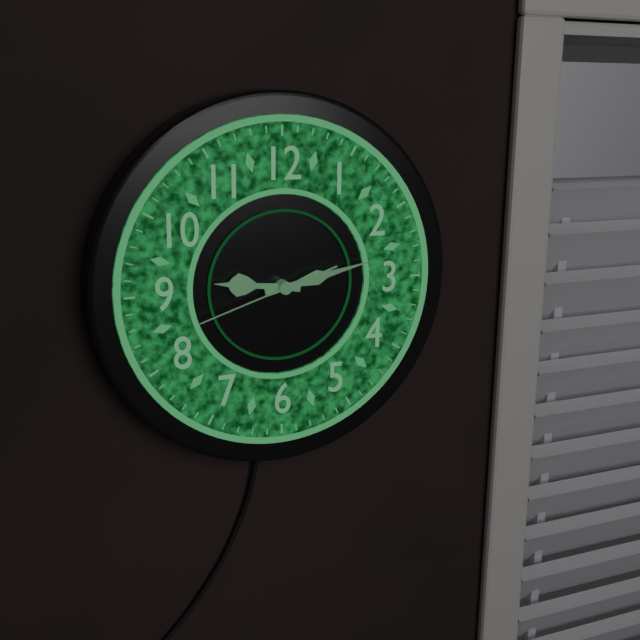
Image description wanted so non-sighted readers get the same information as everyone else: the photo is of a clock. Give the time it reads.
9:13:42
